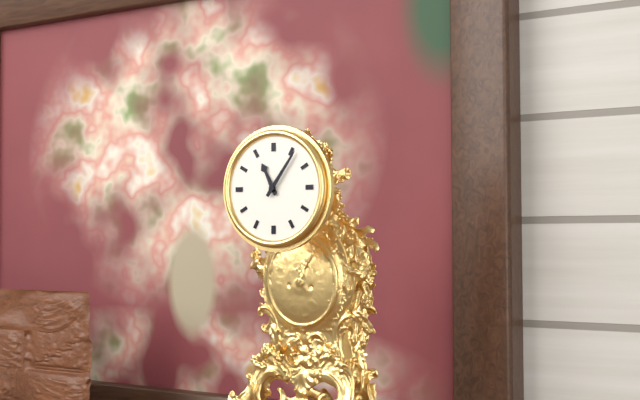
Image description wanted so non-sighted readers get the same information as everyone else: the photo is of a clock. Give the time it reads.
11:06
